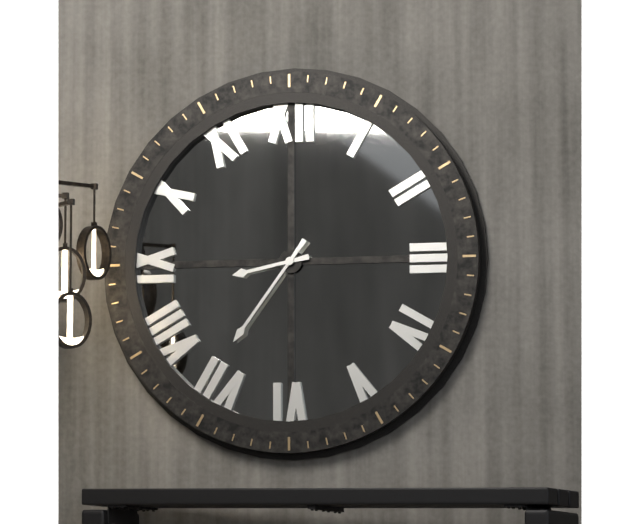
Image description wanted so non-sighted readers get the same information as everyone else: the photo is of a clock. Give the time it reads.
8:36
